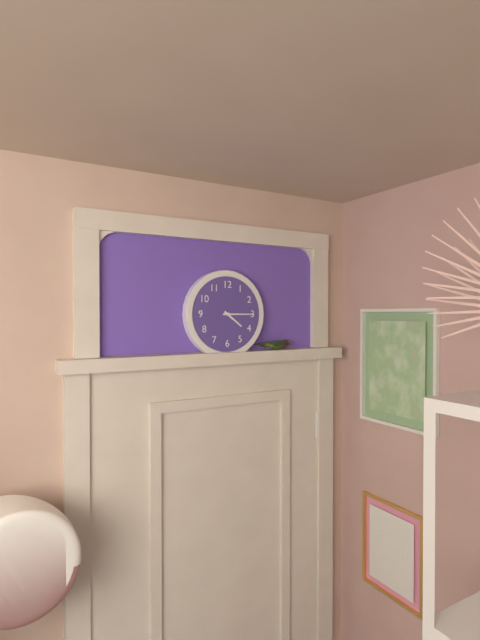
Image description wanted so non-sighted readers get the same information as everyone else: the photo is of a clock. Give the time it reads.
4:15
